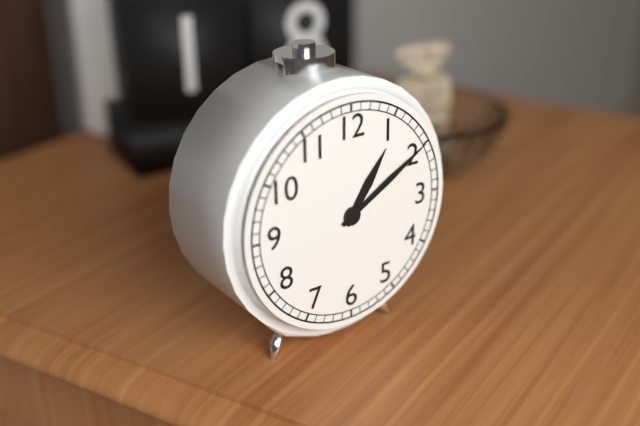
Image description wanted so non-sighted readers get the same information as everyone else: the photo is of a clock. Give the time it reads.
1:10
